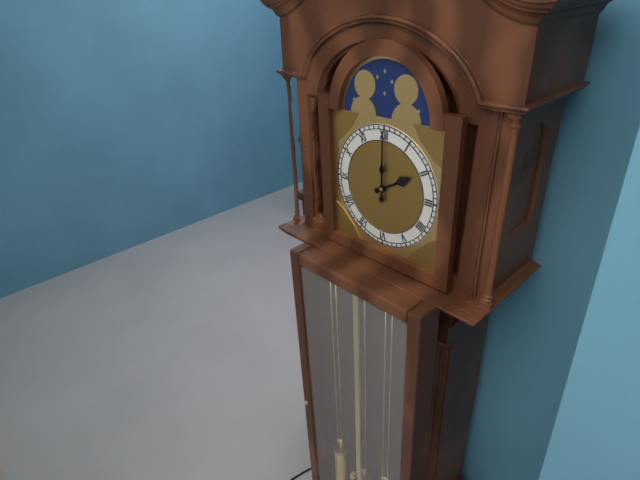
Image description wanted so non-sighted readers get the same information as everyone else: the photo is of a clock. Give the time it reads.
2:00
